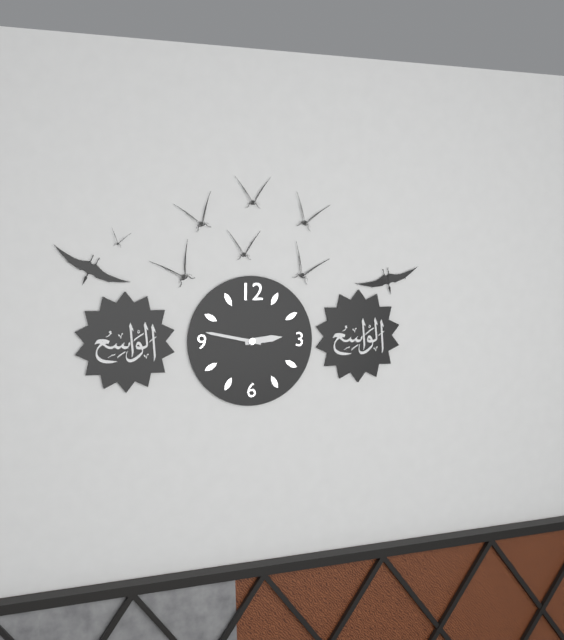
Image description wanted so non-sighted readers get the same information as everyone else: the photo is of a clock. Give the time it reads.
2:47
